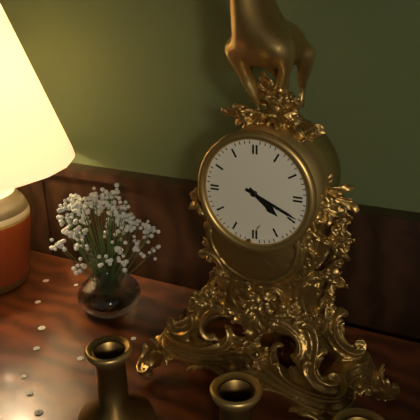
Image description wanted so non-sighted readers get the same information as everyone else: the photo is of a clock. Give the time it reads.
4:19
